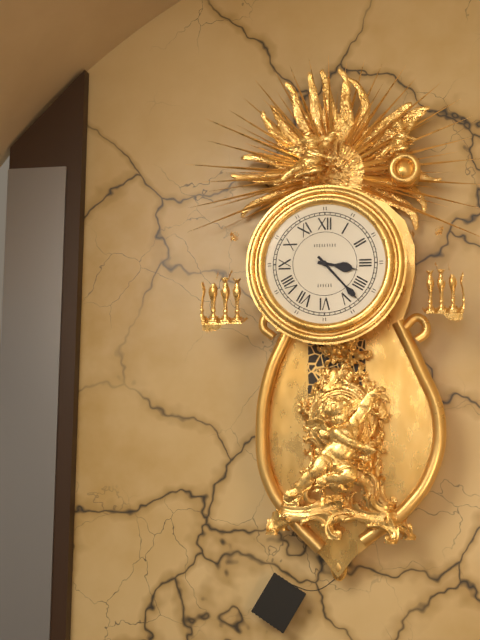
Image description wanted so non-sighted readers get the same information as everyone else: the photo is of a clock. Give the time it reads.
3:23
